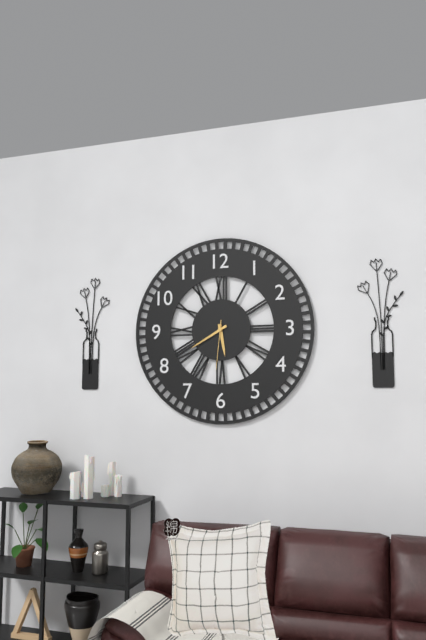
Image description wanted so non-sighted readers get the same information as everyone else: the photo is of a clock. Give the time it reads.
5:40
